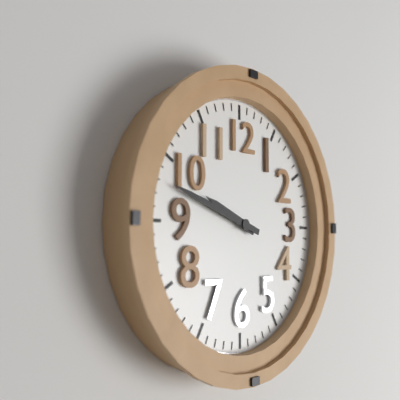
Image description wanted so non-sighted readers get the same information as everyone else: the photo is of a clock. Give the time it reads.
9:48
